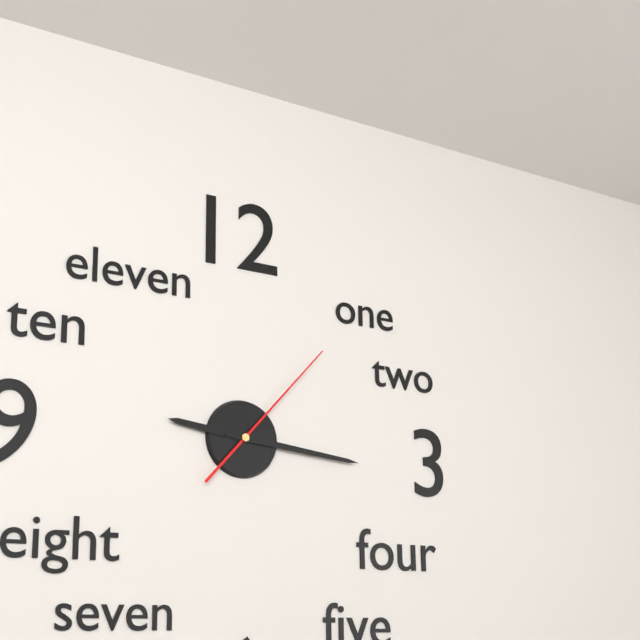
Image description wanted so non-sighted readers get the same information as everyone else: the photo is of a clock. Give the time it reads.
9:16:07
